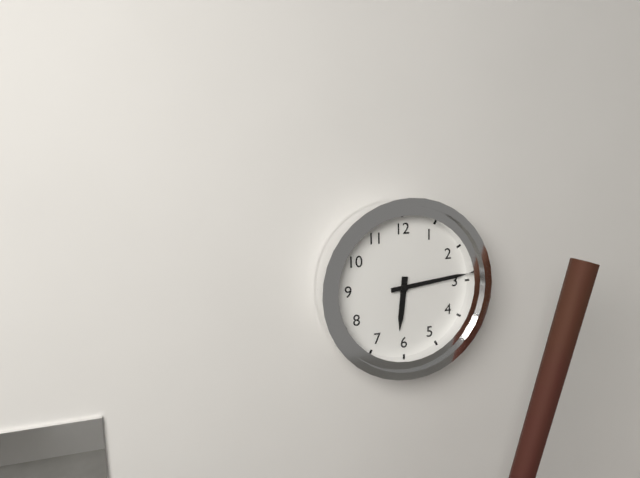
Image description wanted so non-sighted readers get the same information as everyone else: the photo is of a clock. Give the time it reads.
6:14
